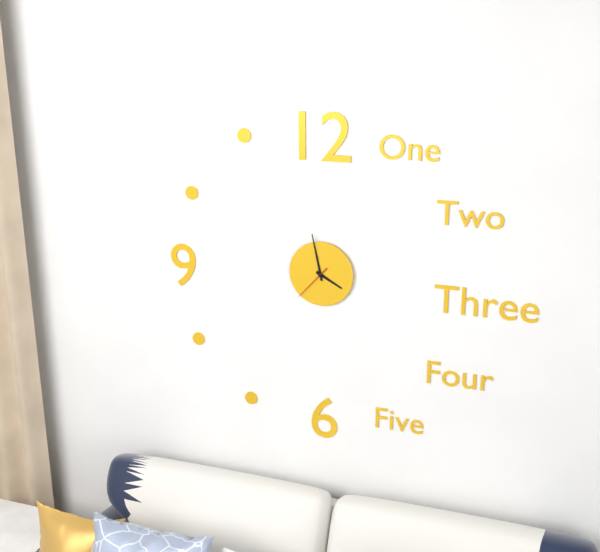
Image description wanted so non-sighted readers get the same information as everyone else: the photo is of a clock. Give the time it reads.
3:58
